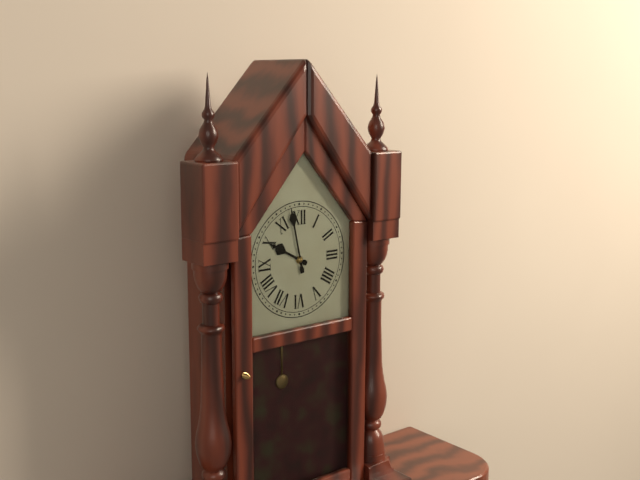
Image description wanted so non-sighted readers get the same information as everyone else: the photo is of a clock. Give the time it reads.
9:58
